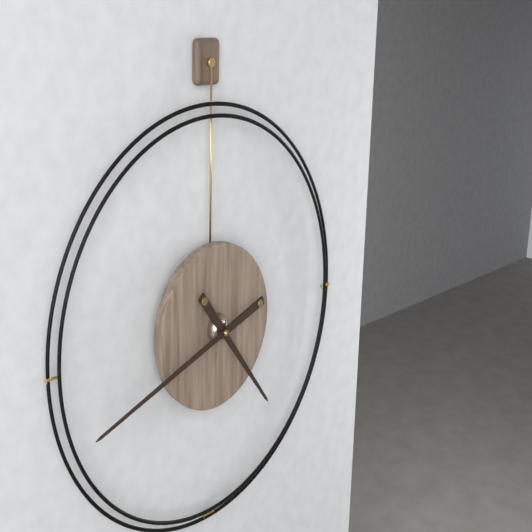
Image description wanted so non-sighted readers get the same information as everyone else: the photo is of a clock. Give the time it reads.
4:42
